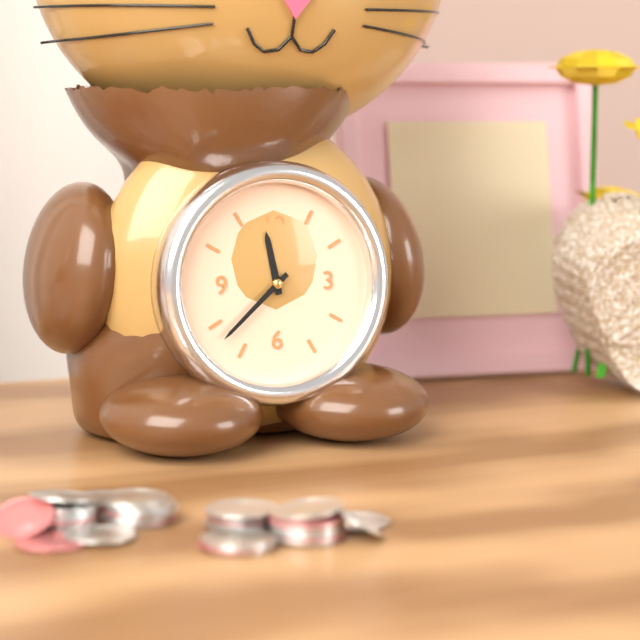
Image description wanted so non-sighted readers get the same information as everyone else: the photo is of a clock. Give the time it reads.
11:38
